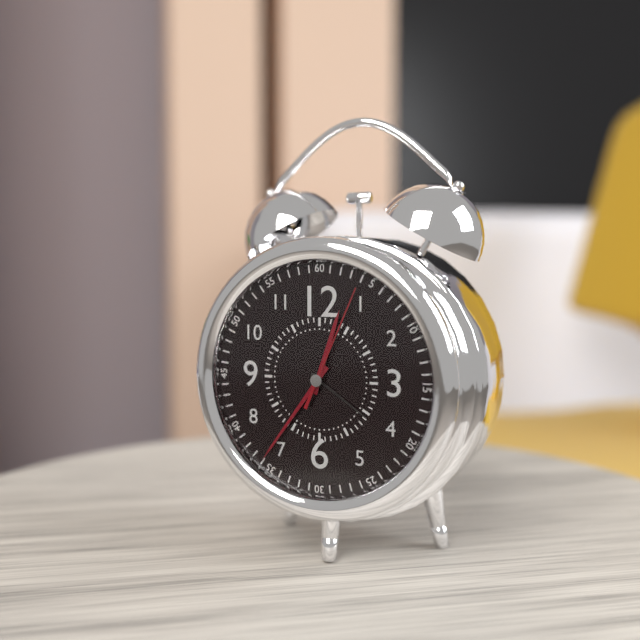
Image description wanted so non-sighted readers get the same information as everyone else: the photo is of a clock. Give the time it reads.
12:36:04
